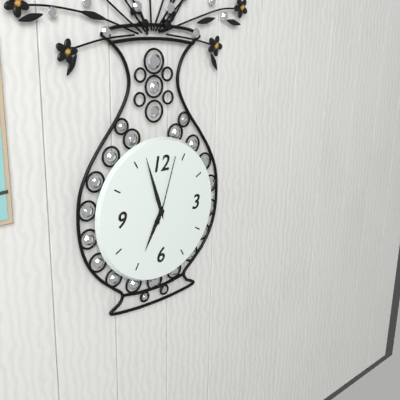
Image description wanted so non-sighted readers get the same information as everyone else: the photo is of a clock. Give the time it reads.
6:57:03
